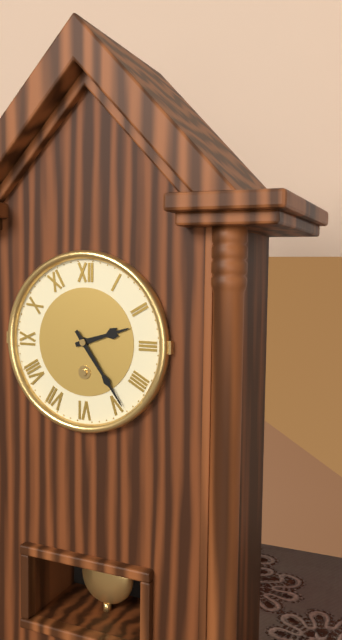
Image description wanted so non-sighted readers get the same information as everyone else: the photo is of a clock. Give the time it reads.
2:24
